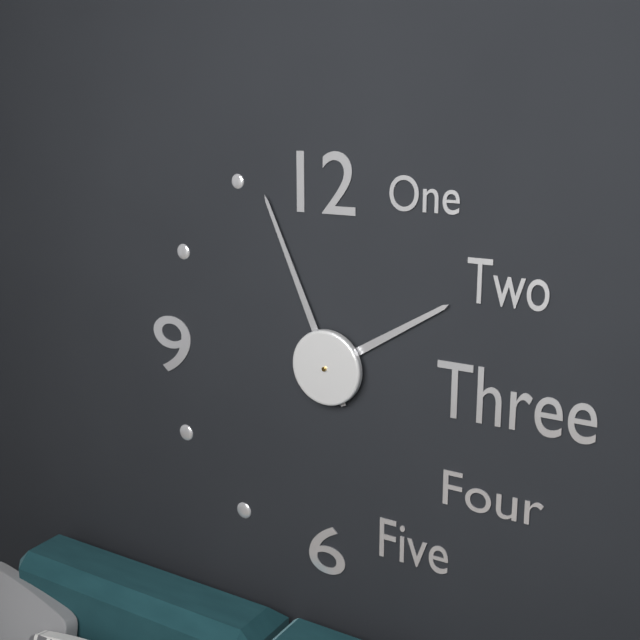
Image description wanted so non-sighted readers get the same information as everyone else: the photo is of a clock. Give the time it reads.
1:56
